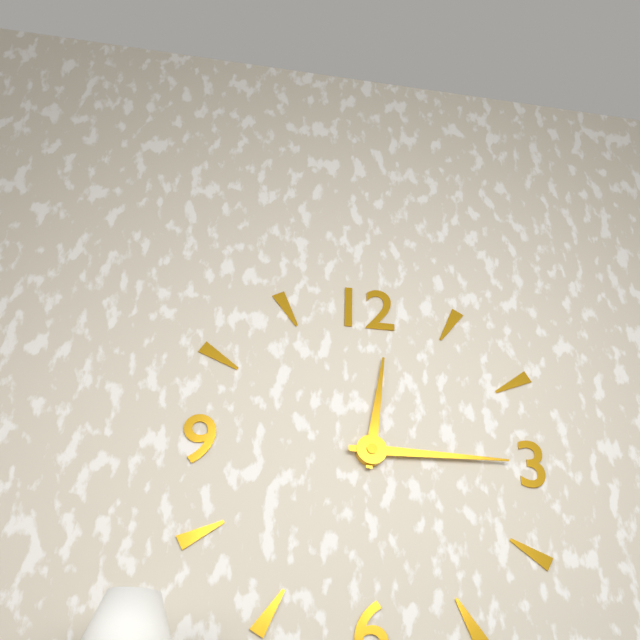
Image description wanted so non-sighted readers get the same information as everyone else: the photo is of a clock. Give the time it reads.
12:15
